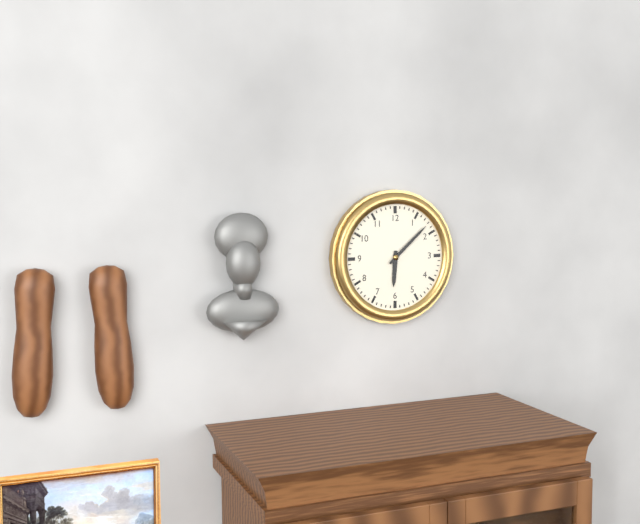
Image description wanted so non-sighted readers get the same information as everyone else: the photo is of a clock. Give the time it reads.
6:08
